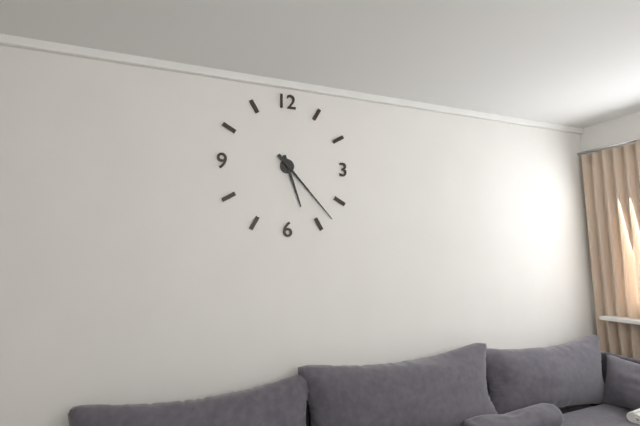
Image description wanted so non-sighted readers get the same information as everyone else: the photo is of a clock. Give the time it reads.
5:23
